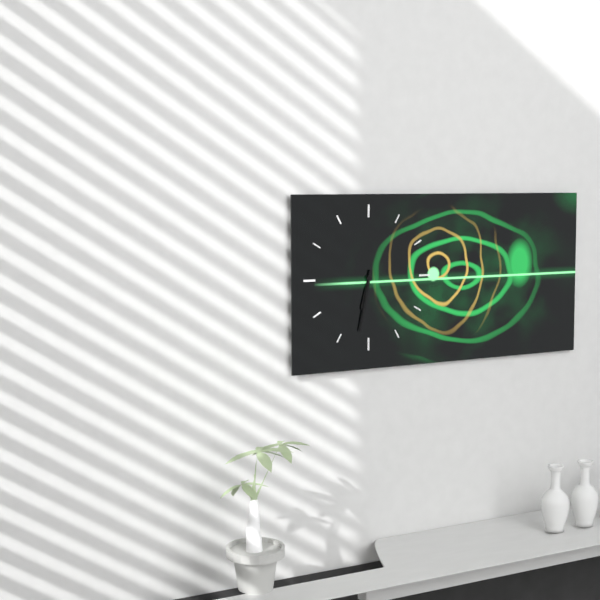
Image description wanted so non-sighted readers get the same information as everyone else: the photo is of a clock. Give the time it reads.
6:32
